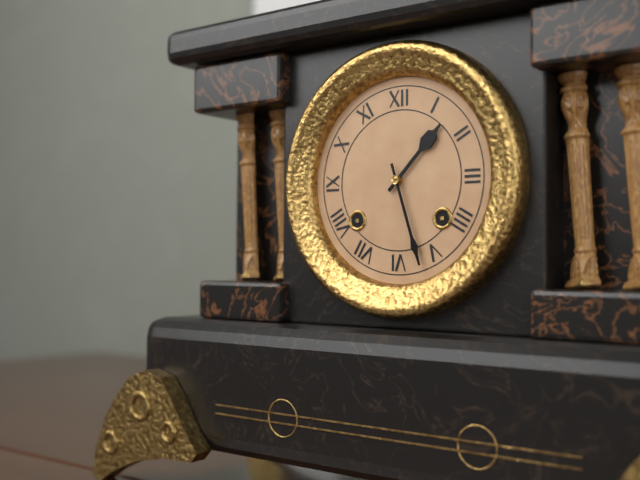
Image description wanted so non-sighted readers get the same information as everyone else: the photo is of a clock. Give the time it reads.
1:27
